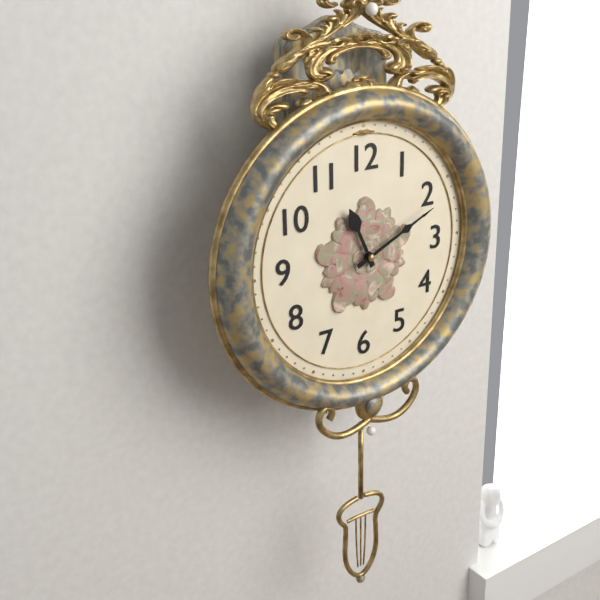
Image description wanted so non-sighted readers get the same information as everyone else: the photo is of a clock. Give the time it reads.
11:11
